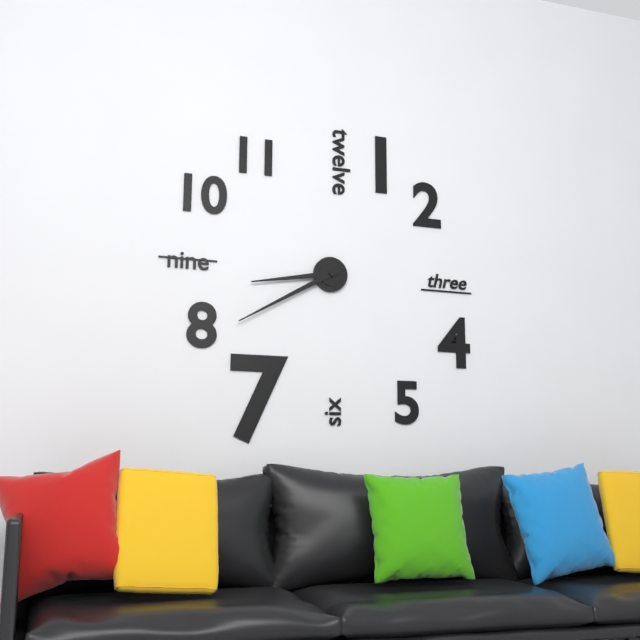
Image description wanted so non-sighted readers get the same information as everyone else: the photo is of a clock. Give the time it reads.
8:40
